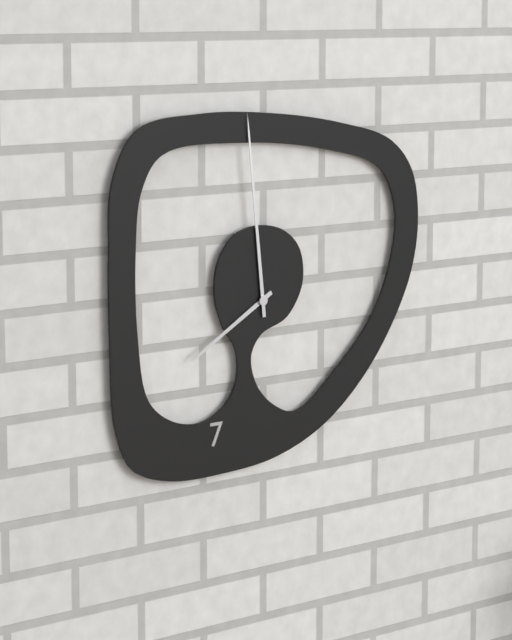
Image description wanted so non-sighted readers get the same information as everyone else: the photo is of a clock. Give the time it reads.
7:59
